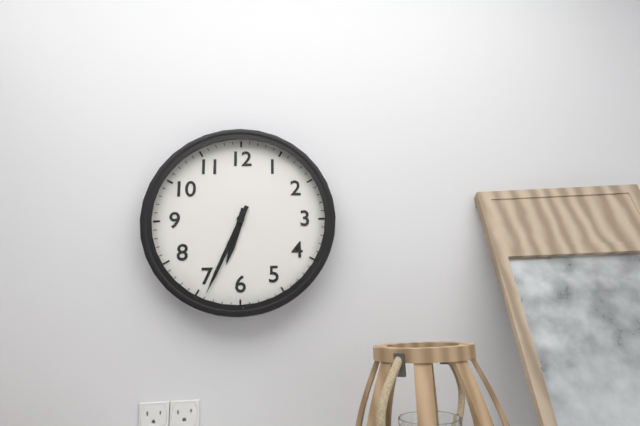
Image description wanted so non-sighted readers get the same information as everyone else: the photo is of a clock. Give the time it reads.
6:34
